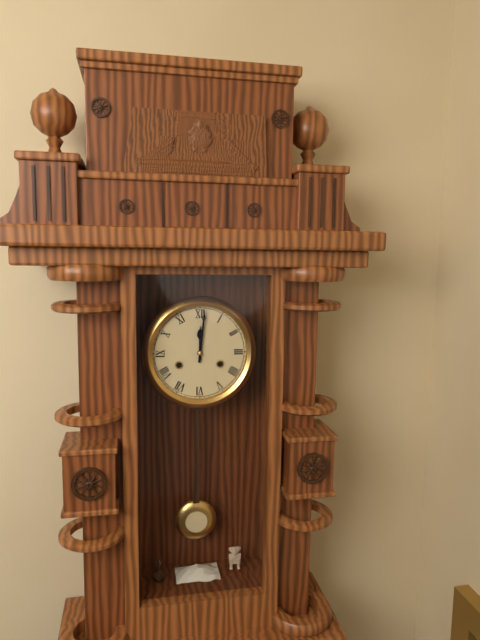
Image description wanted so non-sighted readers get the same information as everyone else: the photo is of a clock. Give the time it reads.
12:01
